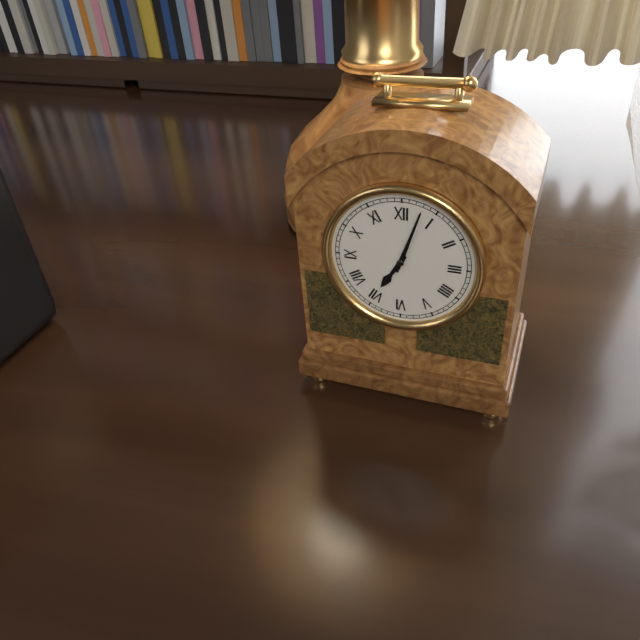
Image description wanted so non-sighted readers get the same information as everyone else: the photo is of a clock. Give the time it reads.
7:03
